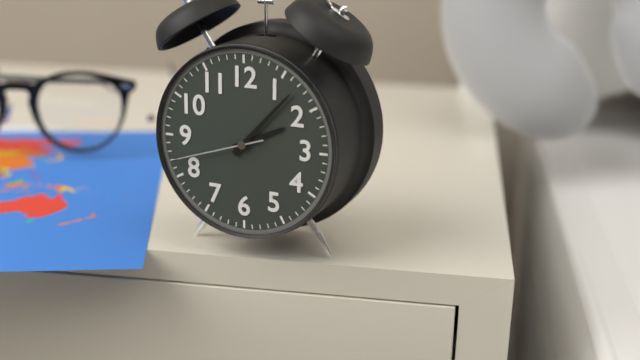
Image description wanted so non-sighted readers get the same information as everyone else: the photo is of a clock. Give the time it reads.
2:07:42
